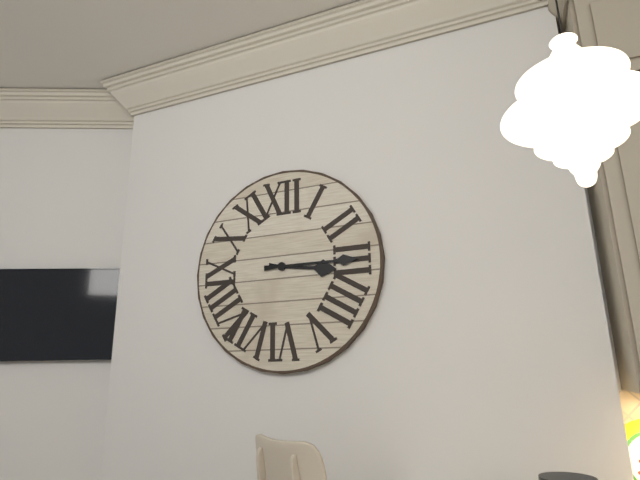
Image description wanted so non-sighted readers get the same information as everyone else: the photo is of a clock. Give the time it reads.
3:15
